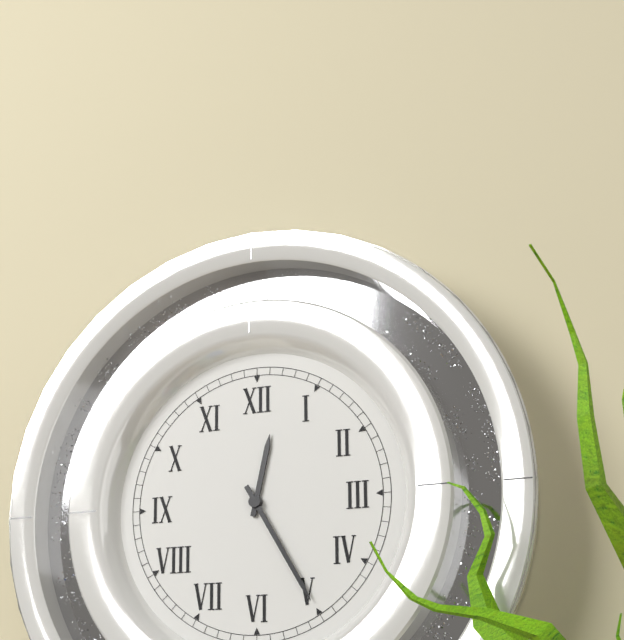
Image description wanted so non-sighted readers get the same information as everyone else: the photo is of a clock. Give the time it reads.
12:25
